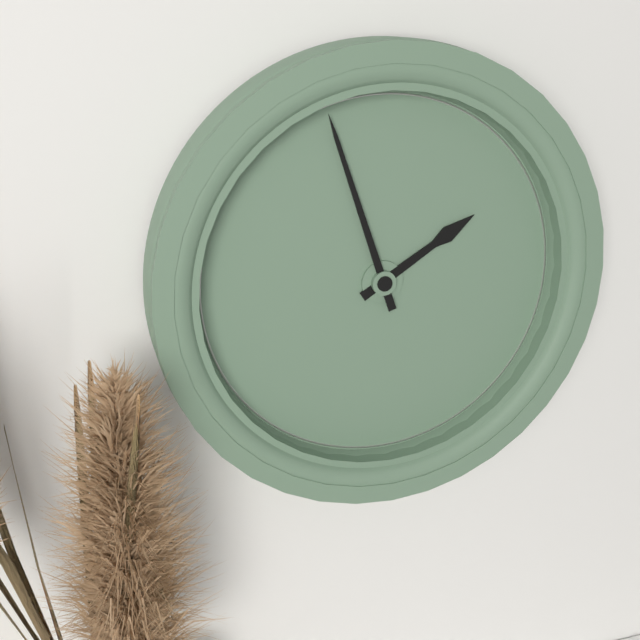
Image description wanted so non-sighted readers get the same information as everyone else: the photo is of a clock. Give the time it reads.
1:57
